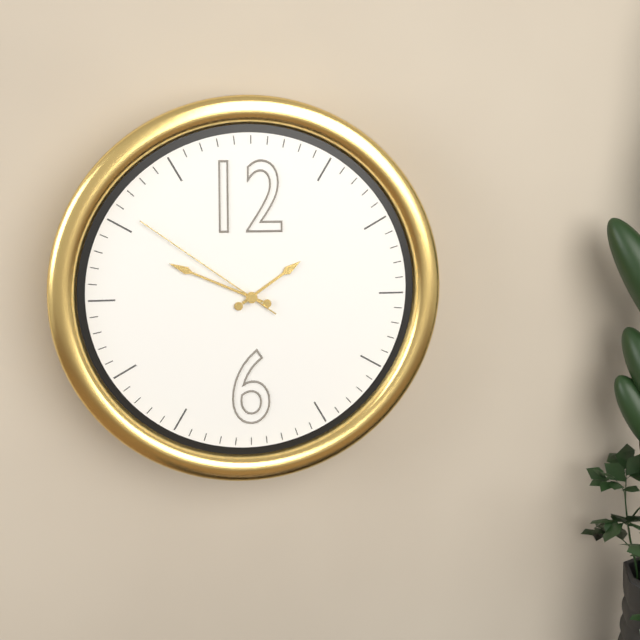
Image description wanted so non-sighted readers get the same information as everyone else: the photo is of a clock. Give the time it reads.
1:49:51
